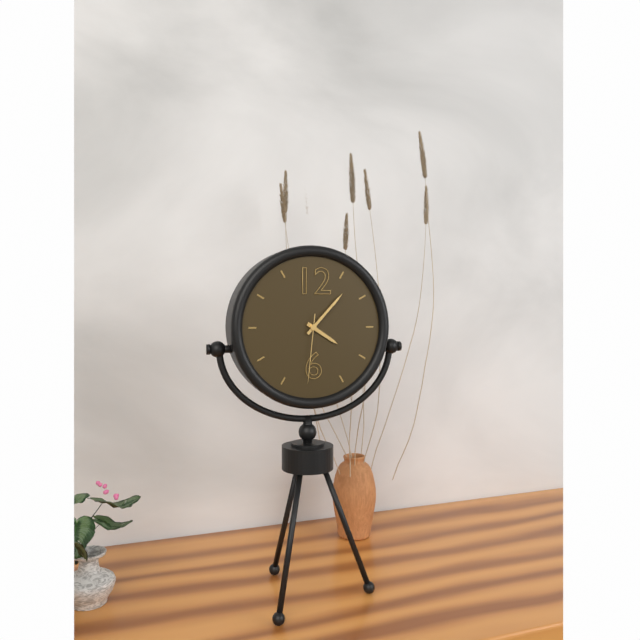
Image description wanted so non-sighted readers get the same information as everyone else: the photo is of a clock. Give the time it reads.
4:07:31
